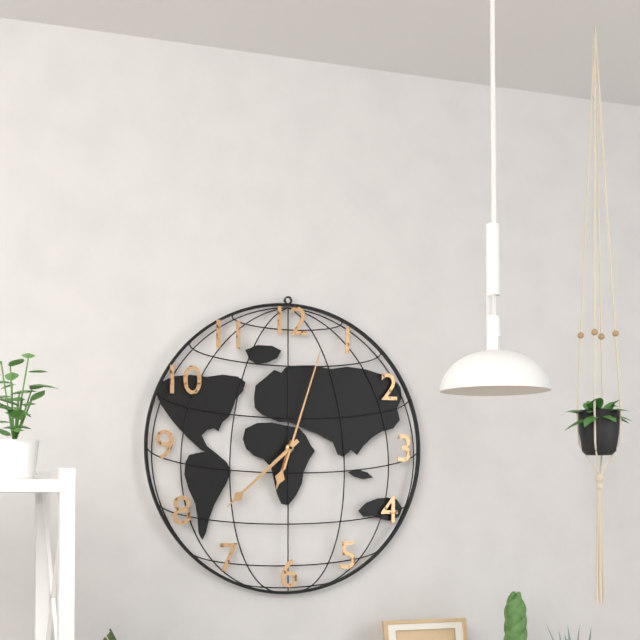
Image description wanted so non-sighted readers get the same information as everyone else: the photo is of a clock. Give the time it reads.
6:38:03
